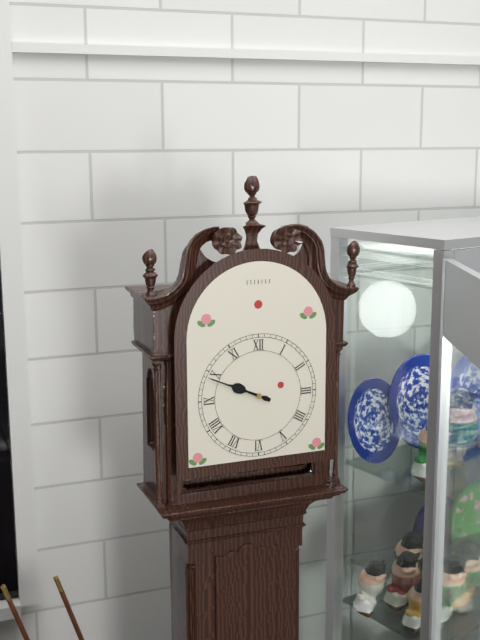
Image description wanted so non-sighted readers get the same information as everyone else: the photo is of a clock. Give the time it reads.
9:49
